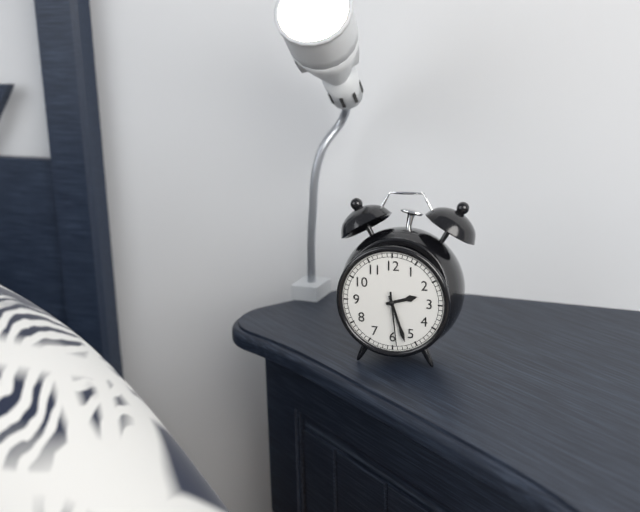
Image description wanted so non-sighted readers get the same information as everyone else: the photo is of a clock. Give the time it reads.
2:27:29
